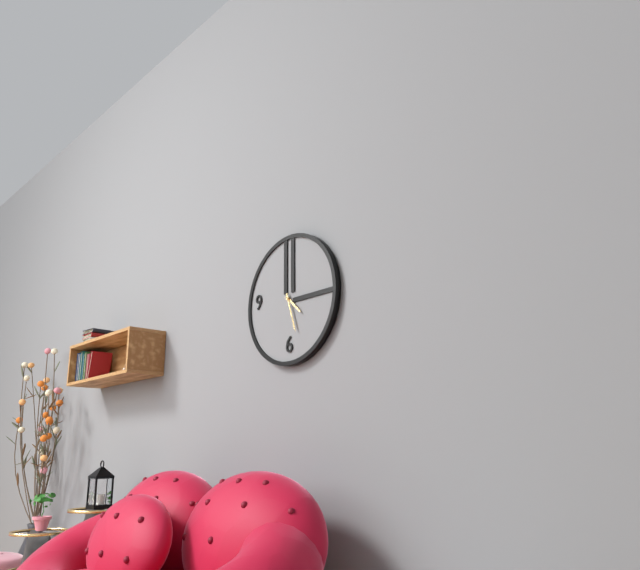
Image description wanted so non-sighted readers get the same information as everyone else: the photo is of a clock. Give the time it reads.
4:27
